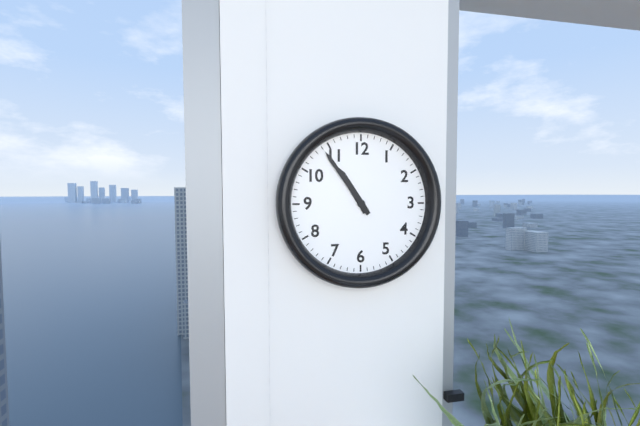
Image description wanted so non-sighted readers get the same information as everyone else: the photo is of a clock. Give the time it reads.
10:54
